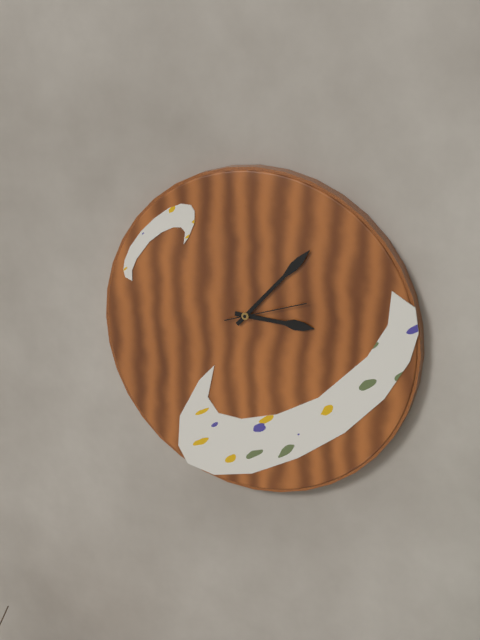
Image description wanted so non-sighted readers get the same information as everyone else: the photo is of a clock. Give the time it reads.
3:07:12
